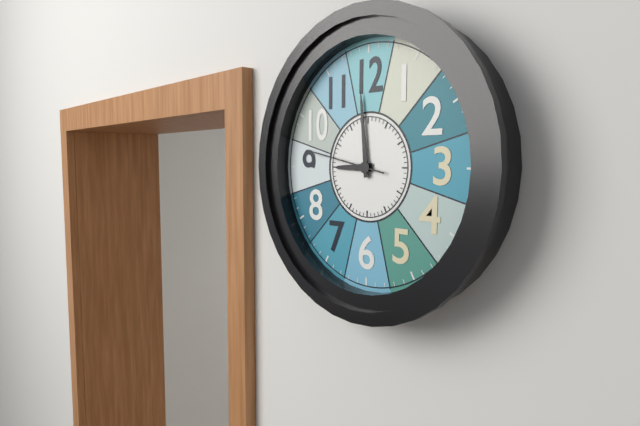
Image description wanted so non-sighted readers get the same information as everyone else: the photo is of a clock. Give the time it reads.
8:59:47
